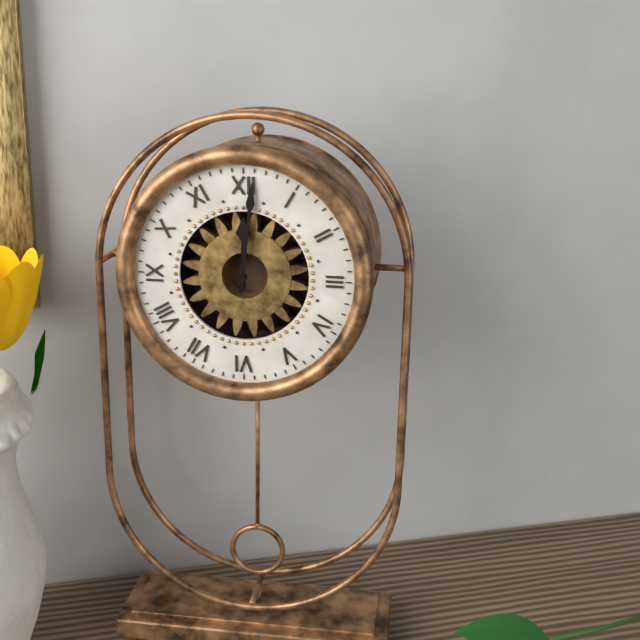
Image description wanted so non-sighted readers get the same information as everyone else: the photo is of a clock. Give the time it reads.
12:01
